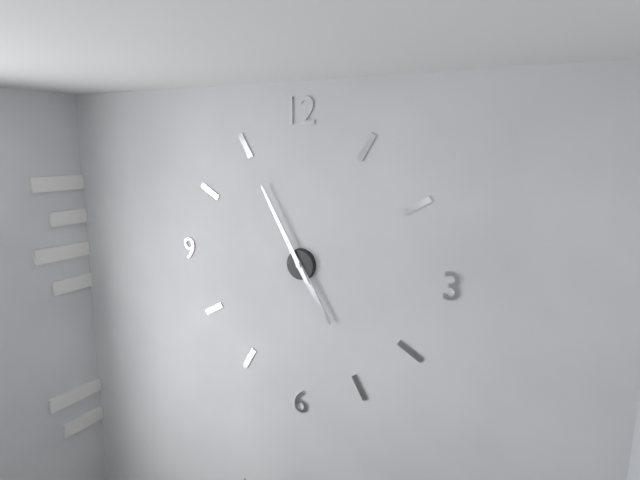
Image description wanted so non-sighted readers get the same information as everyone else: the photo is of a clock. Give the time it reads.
4:55
